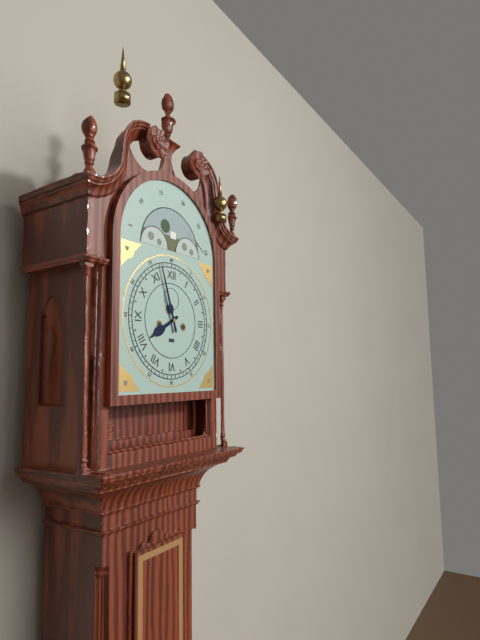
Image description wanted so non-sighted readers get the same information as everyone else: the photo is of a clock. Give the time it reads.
7:57
